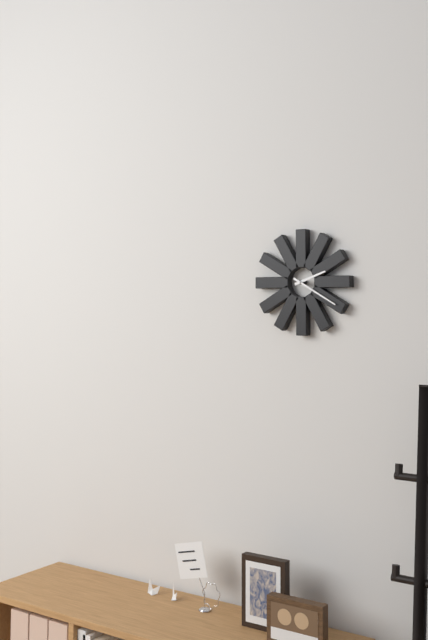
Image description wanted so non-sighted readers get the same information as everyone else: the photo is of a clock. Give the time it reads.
2:20
